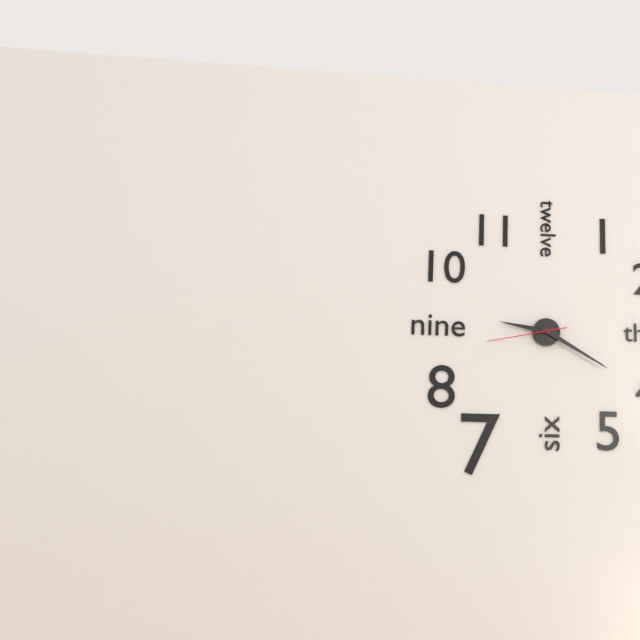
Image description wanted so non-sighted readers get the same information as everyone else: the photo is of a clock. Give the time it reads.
9:20:43
